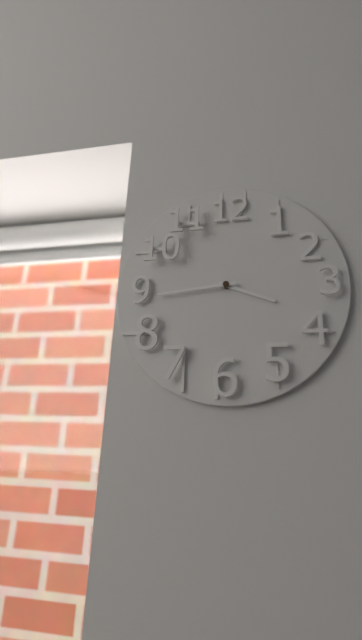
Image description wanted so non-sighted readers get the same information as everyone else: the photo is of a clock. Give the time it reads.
3:44
